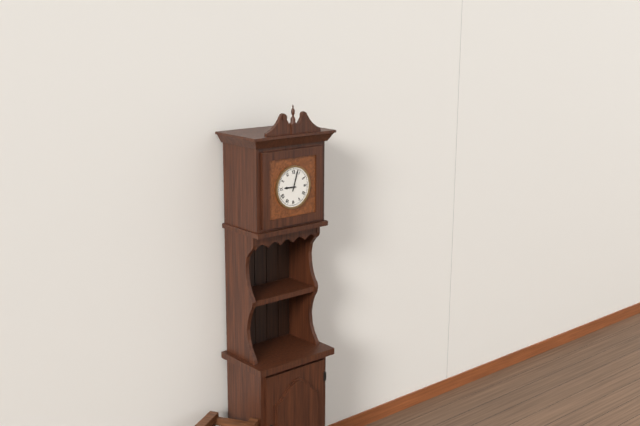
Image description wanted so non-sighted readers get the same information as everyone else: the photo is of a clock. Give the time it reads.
9:03
